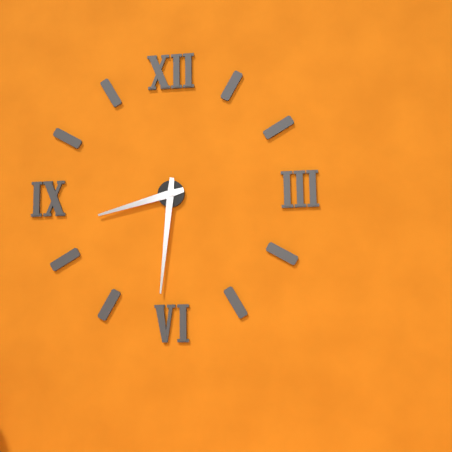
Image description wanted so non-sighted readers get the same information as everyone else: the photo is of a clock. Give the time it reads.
8:31
